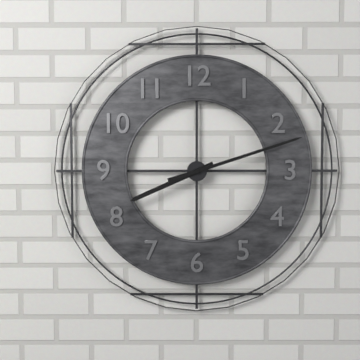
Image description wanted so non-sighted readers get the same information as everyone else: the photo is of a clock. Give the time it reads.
8:12
